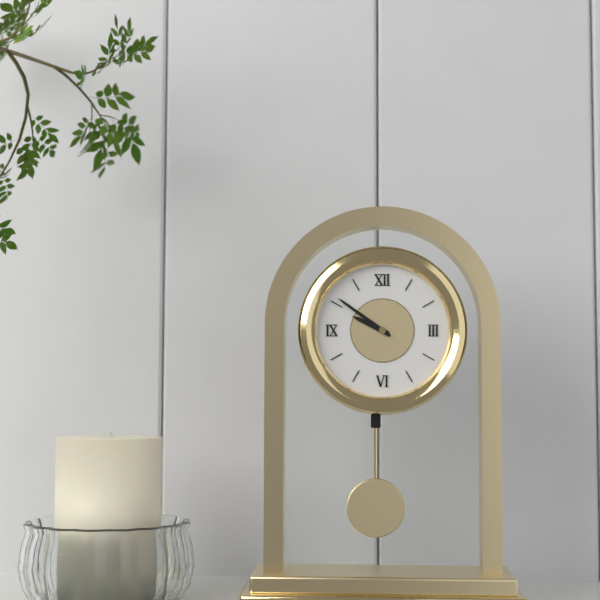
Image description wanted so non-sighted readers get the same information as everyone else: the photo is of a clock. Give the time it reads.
9:51
